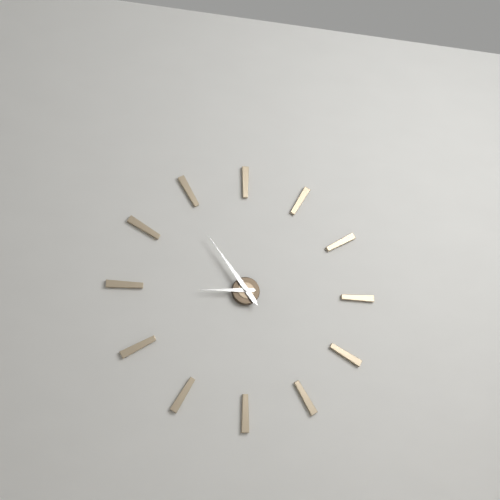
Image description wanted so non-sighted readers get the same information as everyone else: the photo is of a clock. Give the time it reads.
8:54
